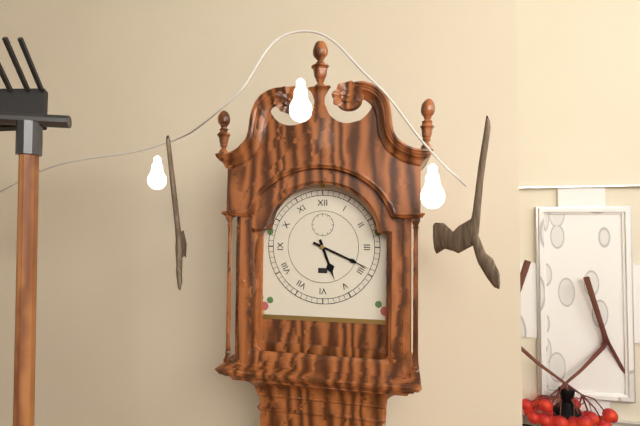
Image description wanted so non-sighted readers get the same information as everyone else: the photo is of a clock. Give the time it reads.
5:19
